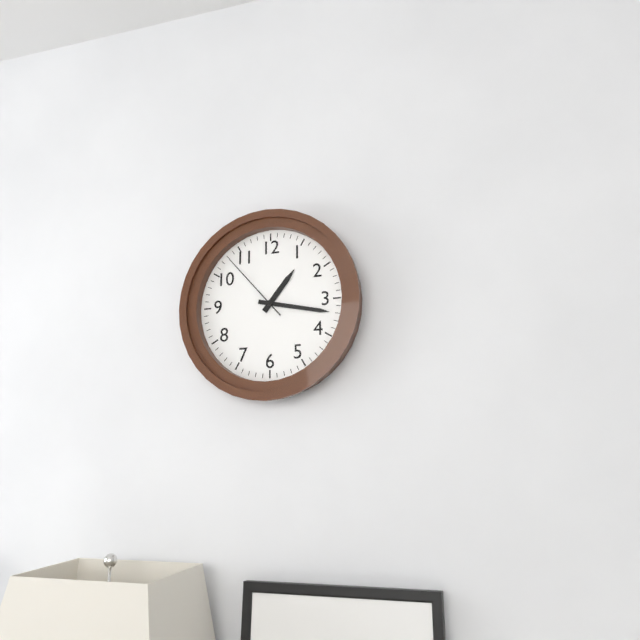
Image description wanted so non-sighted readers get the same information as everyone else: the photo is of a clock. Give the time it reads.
1:17:53
